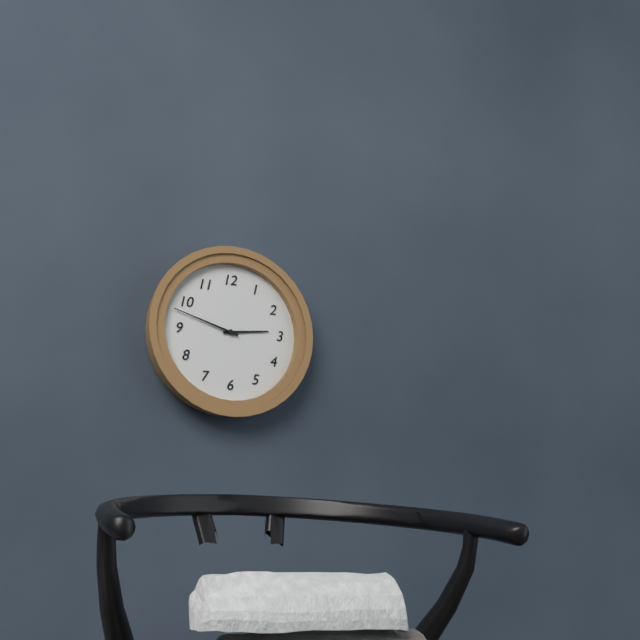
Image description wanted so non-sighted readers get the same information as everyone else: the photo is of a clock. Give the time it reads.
2:48
